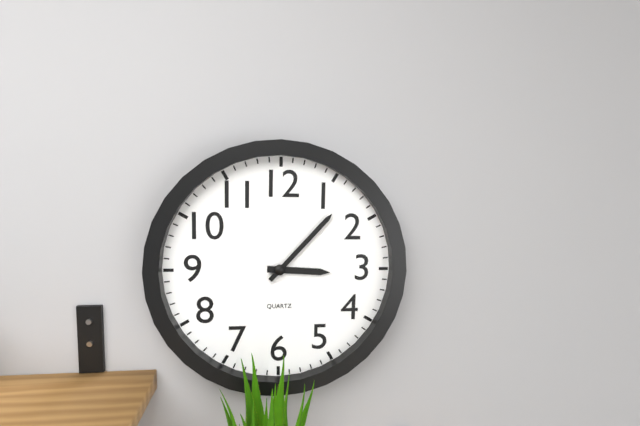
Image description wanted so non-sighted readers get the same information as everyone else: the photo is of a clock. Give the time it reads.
3:07
